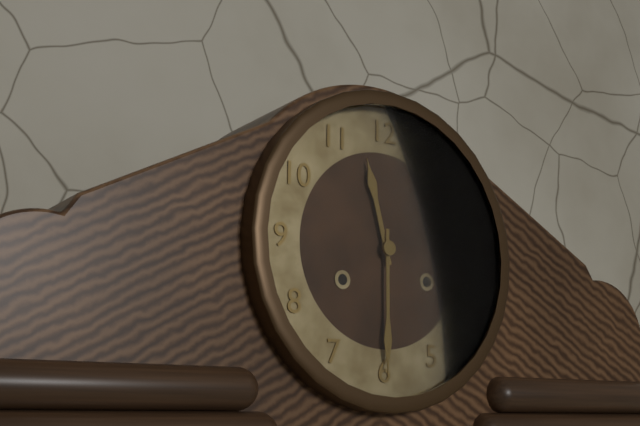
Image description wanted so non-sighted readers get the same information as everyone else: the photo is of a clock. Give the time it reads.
11:30
